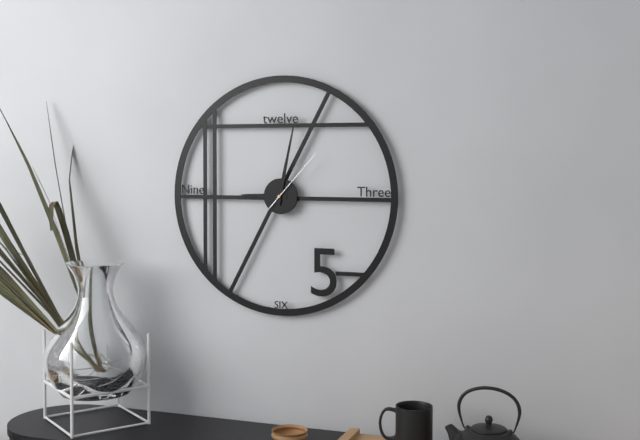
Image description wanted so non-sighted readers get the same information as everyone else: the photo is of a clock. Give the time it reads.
9:02:07
